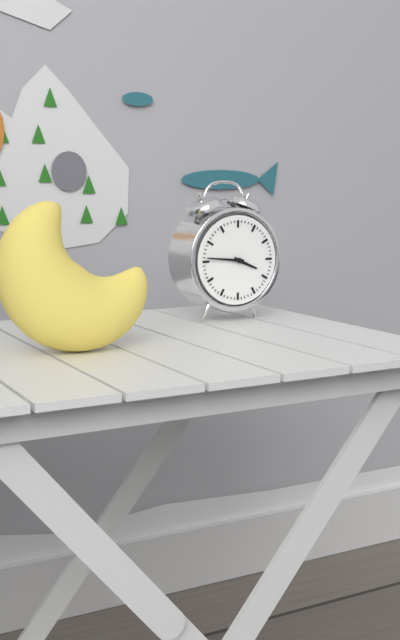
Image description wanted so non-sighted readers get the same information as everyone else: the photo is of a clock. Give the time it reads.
3:46
